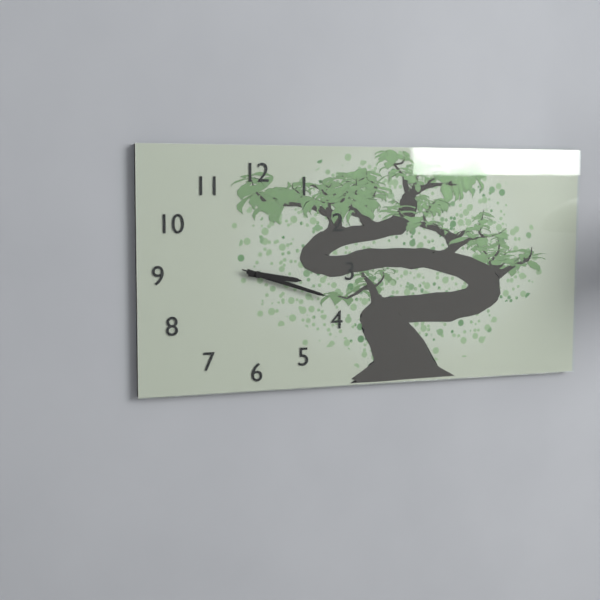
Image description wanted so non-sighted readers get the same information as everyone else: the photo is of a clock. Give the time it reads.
3:18:18
